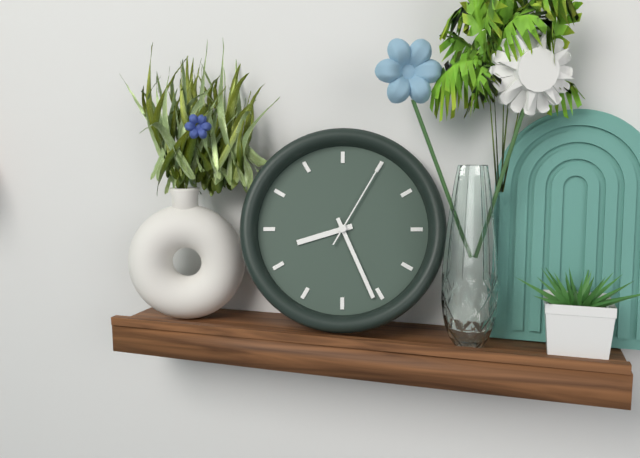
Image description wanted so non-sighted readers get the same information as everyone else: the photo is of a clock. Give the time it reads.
8:26:05
